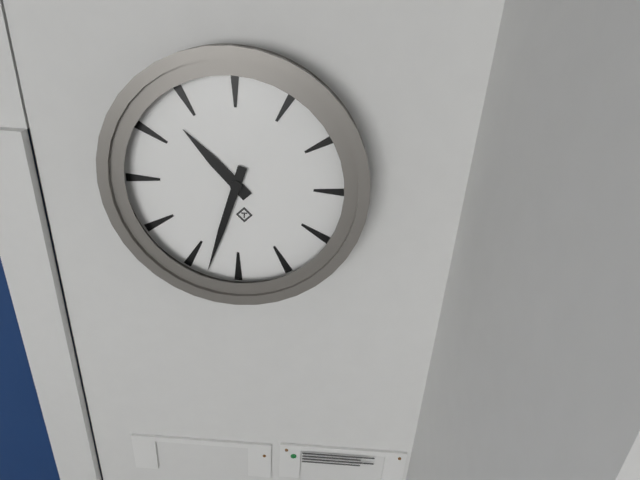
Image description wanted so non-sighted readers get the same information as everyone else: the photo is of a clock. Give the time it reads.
10:33
